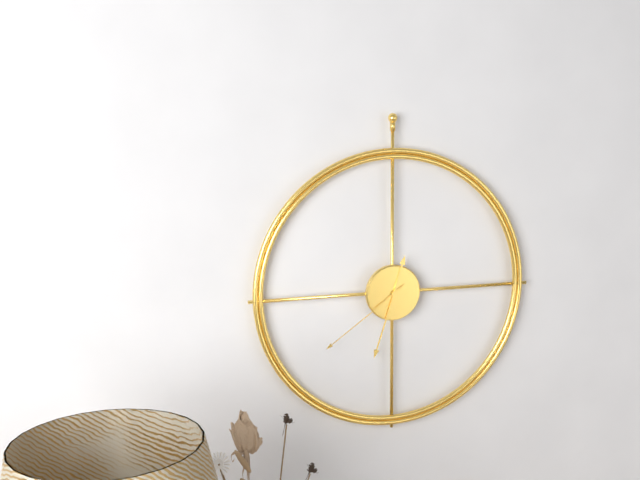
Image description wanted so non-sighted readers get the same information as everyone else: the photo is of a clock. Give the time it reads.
12:33:39
